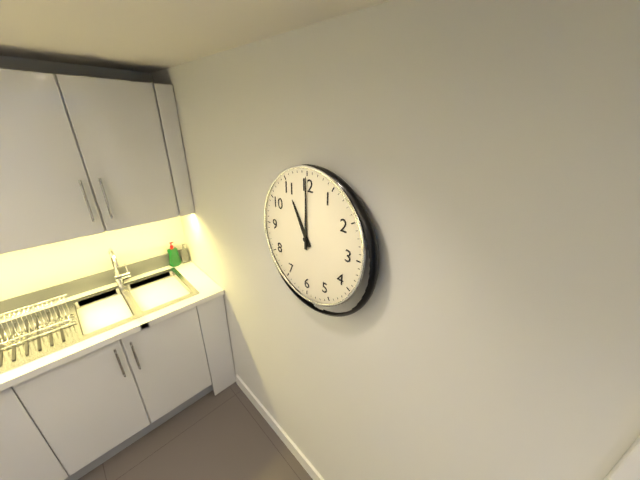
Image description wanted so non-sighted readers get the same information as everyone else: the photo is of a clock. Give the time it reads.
11:00
